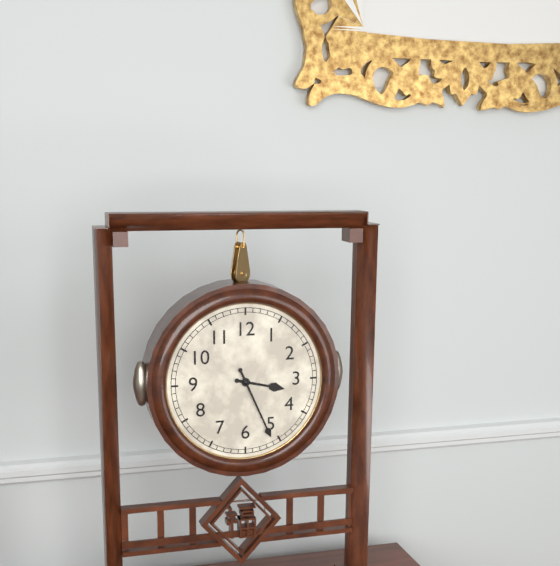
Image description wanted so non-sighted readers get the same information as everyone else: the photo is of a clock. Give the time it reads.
3:26
